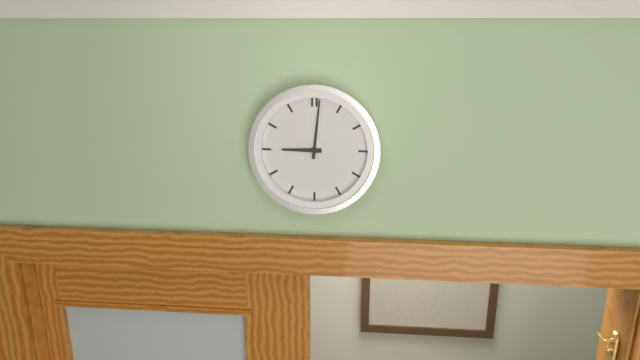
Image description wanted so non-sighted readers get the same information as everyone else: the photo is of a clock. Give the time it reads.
9:01
